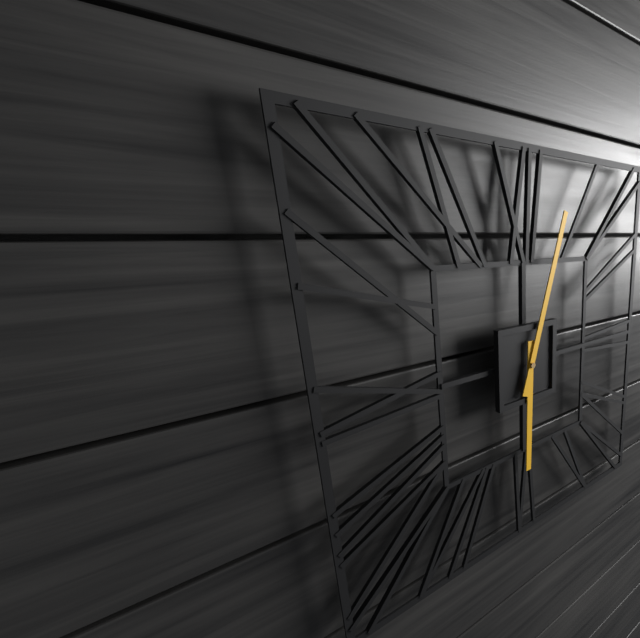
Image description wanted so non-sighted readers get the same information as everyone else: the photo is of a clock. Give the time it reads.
6:03
